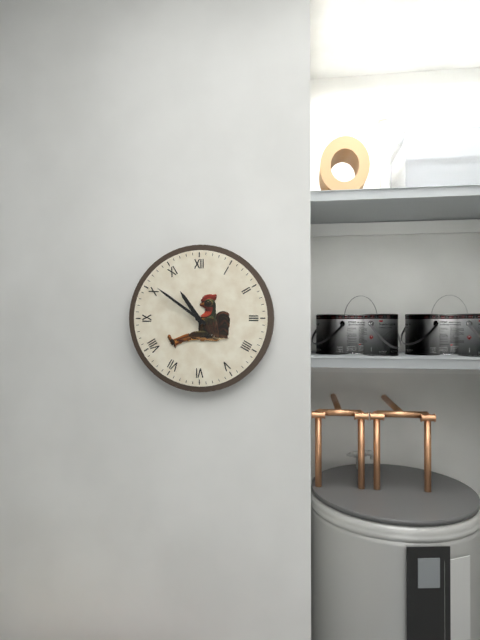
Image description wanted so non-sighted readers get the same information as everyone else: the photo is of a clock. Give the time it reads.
10:51
